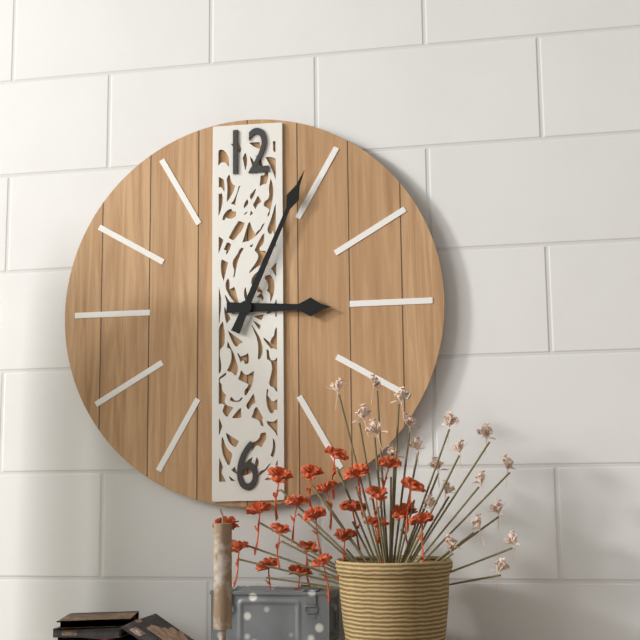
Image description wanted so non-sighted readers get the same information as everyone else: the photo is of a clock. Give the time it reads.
3:04
